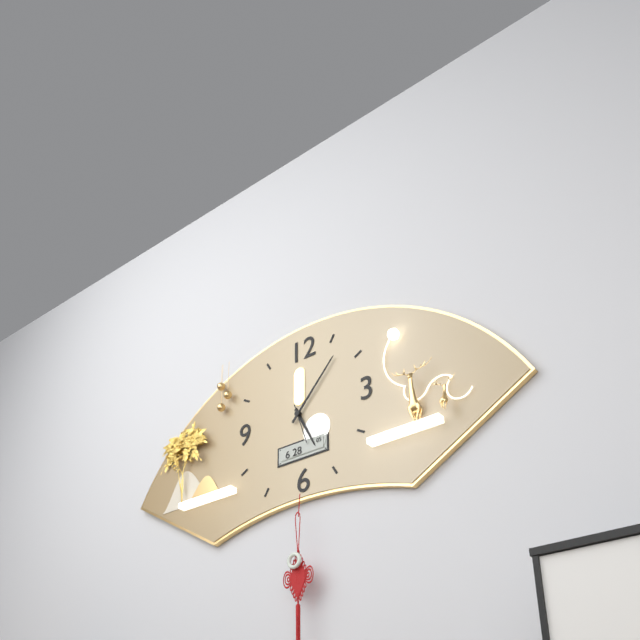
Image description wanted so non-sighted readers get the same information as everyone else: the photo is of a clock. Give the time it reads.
5:07
